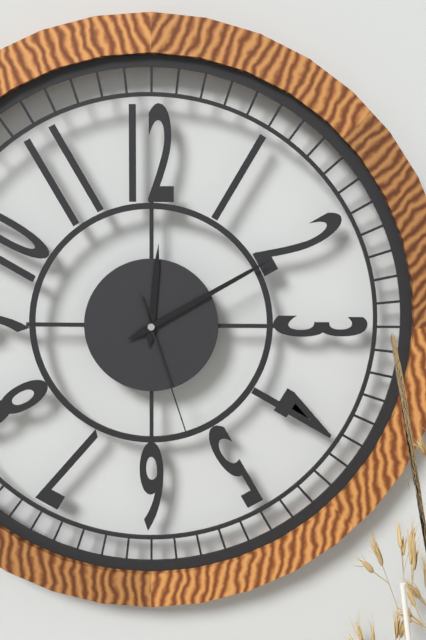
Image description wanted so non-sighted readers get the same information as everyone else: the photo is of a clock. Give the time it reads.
12:10:27
